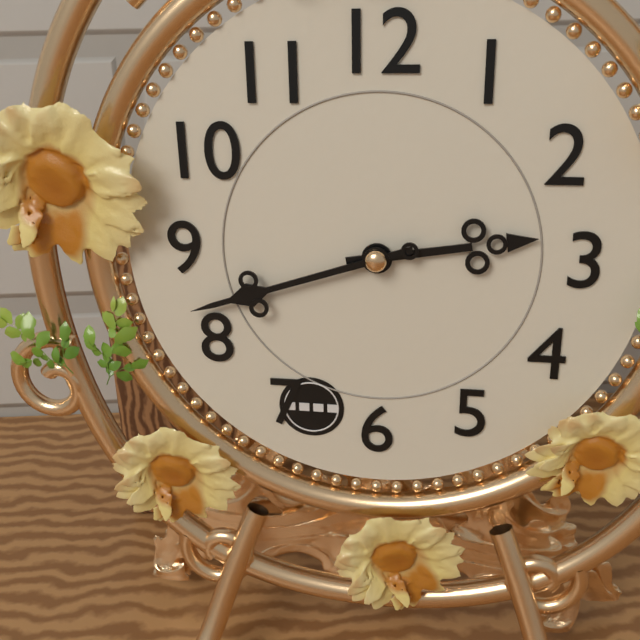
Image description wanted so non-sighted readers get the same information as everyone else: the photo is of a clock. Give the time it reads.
2:42
